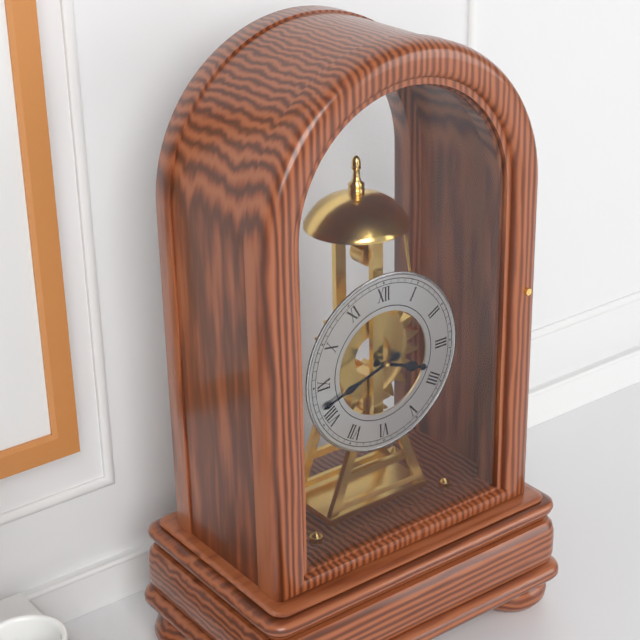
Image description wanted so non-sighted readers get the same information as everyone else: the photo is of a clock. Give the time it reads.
3:42
